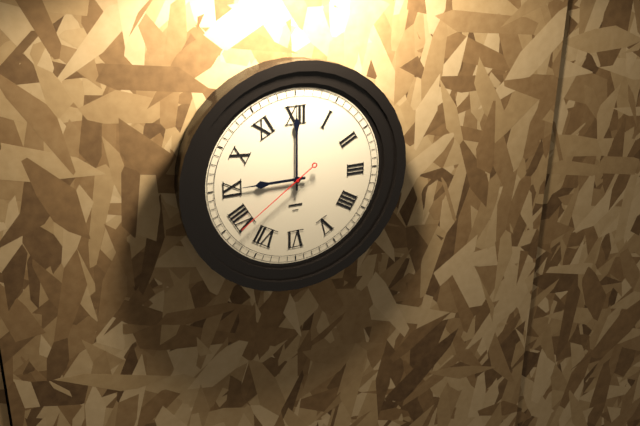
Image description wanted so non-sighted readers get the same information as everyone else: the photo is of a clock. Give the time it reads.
9:00:39
